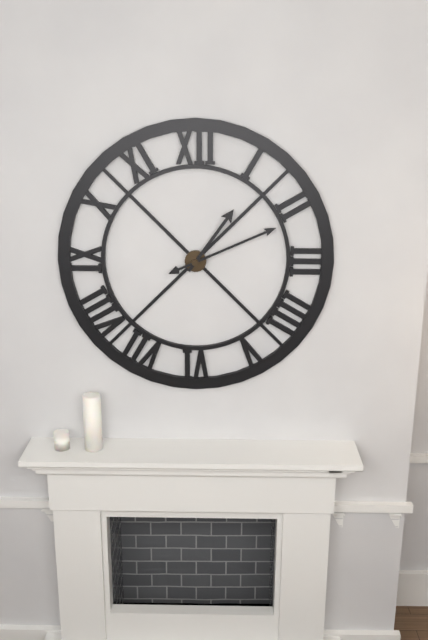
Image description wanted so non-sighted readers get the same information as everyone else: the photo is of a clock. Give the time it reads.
1:11
